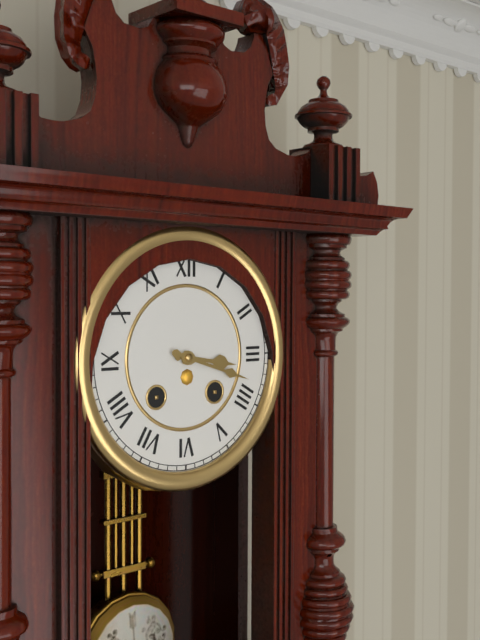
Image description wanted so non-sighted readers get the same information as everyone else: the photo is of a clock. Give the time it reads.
3:18
